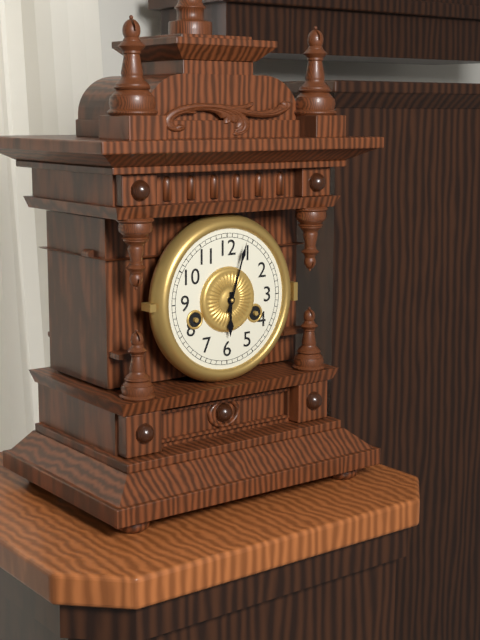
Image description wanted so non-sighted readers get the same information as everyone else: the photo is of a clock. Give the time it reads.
6:03
